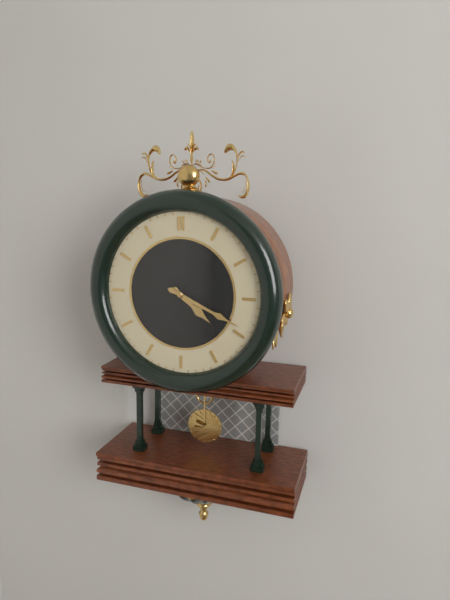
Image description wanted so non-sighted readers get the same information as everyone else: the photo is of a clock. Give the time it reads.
4:19
